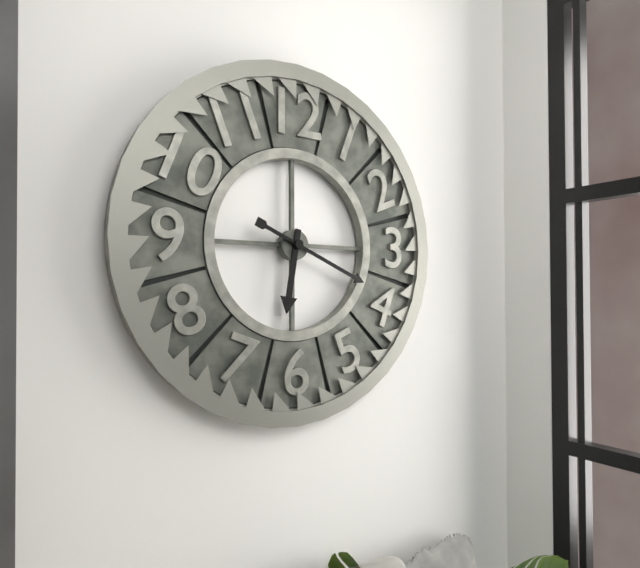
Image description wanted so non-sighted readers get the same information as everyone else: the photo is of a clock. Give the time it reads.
6:19
